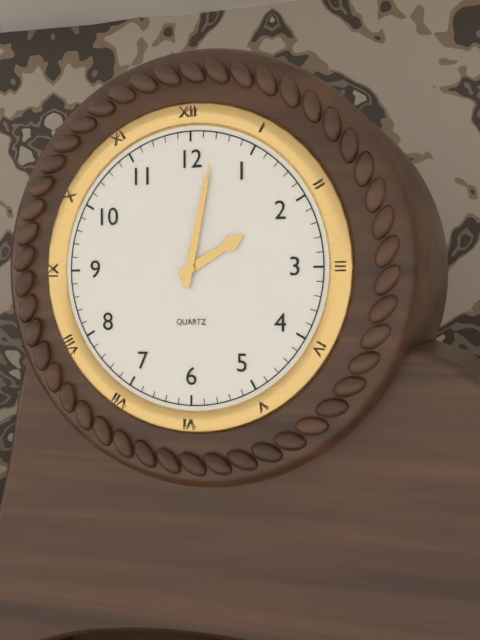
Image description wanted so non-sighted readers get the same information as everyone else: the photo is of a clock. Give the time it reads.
2:02
